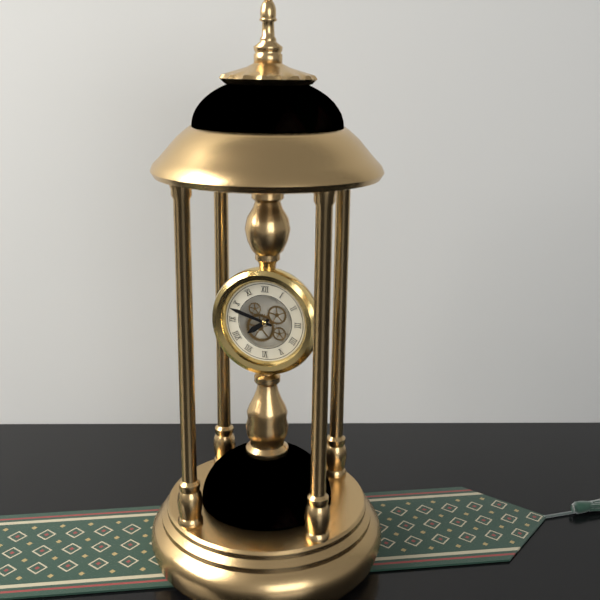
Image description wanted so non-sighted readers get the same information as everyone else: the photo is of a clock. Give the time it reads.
7:48
